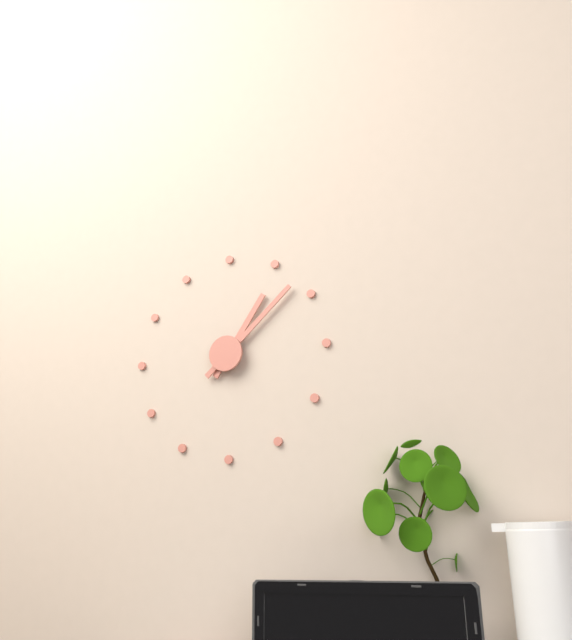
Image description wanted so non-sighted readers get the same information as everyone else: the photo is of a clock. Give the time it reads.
1:08
